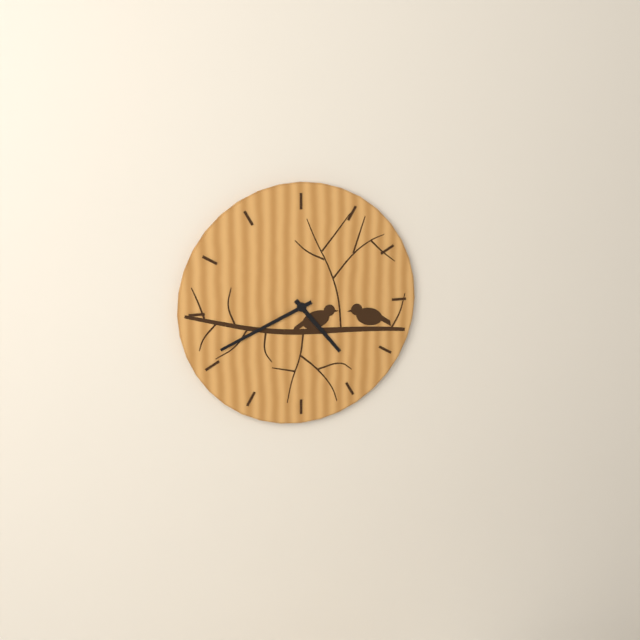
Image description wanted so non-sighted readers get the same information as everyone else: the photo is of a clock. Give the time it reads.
4:41
